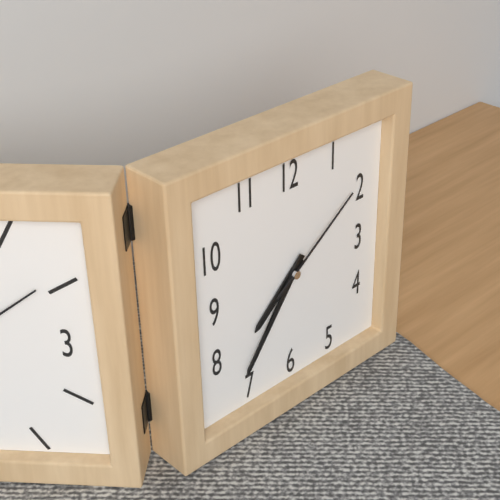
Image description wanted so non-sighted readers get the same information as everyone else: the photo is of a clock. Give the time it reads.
7:36:09
